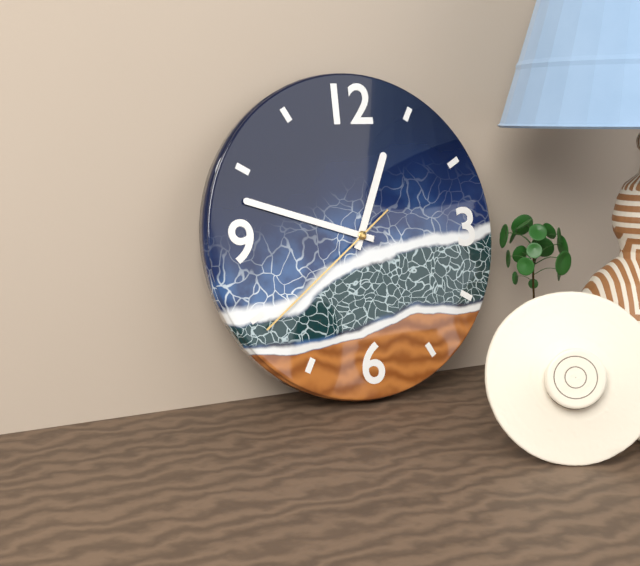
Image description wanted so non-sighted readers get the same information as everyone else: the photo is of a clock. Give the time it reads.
12:48:39
